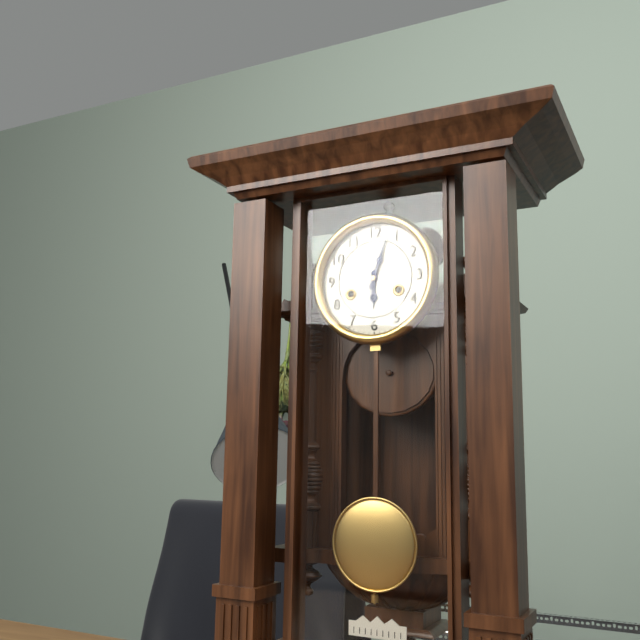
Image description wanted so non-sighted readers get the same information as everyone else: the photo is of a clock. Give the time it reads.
6:03
